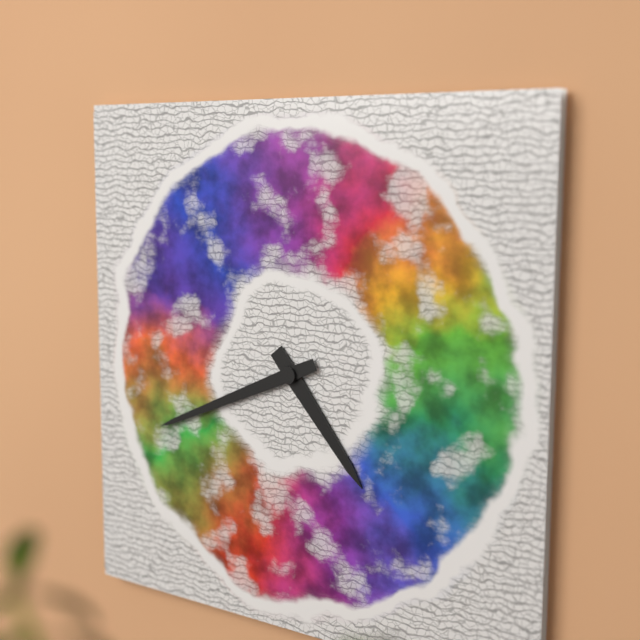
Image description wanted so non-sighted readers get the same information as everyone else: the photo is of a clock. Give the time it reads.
4:41
